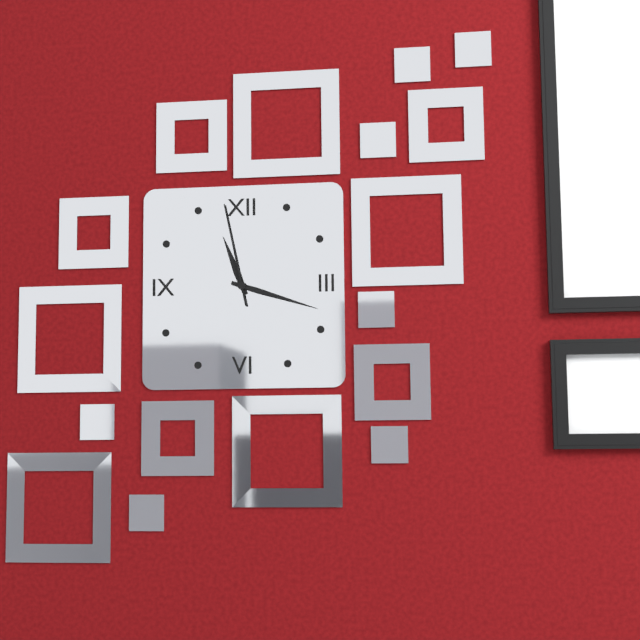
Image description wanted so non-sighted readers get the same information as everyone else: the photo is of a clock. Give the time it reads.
11:18:58
